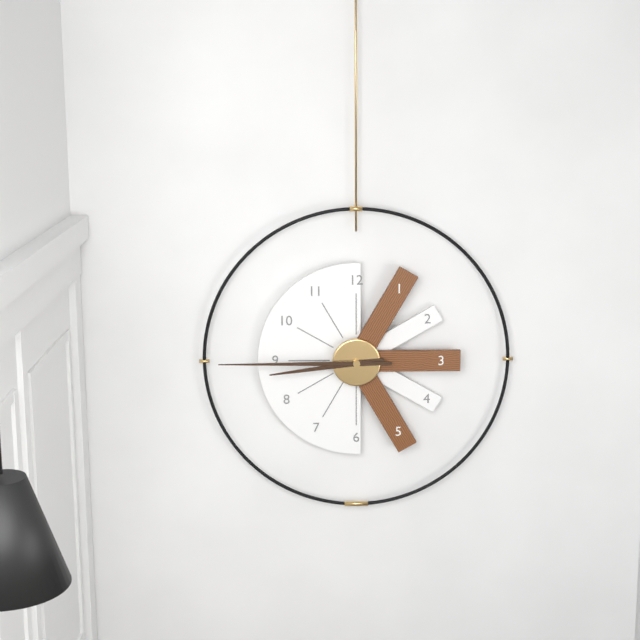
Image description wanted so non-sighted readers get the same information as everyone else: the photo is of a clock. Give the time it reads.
8:45
